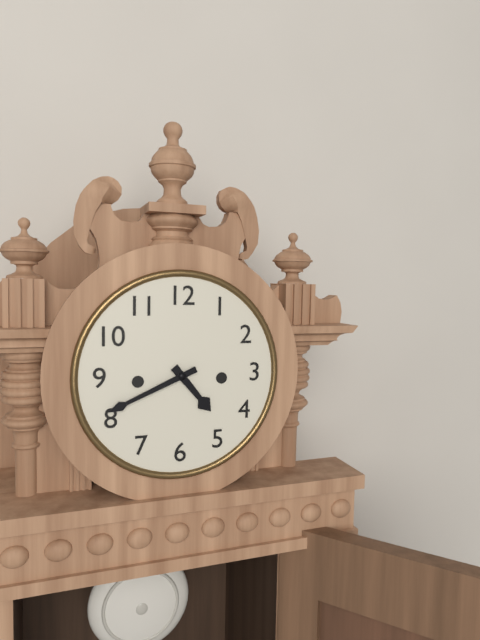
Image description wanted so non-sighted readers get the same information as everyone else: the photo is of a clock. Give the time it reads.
4:41
